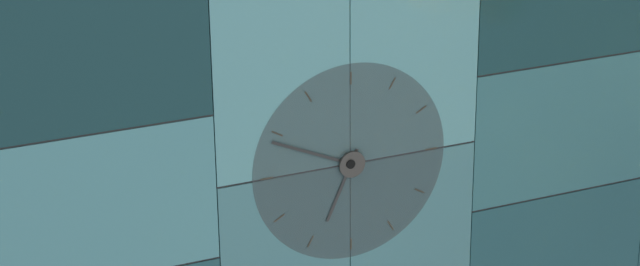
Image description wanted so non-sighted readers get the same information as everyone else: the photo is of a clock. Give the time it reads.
6:49
